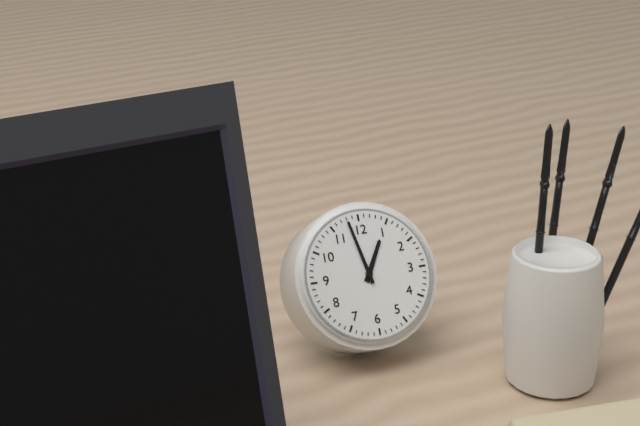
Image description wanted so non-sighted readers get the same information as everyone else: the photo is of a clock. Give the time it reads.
12:58
